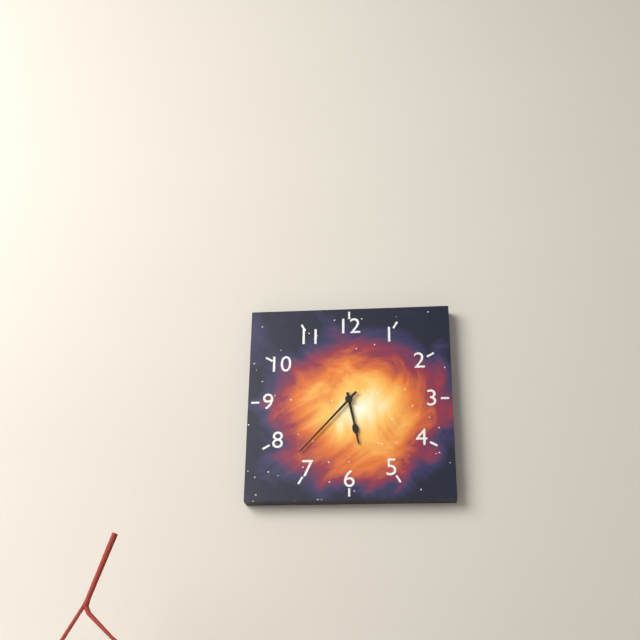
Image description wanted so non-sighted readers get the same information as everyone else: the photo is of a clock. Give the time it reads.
5:37
